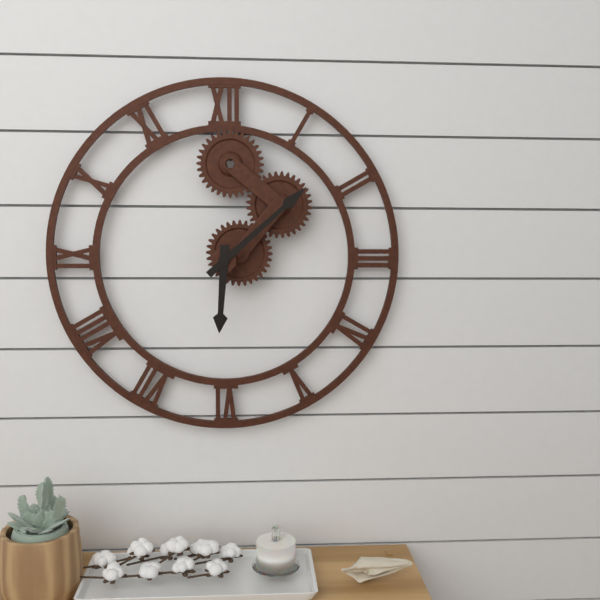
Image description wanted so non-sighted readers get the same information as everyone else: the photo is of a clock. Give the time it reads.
6:08
